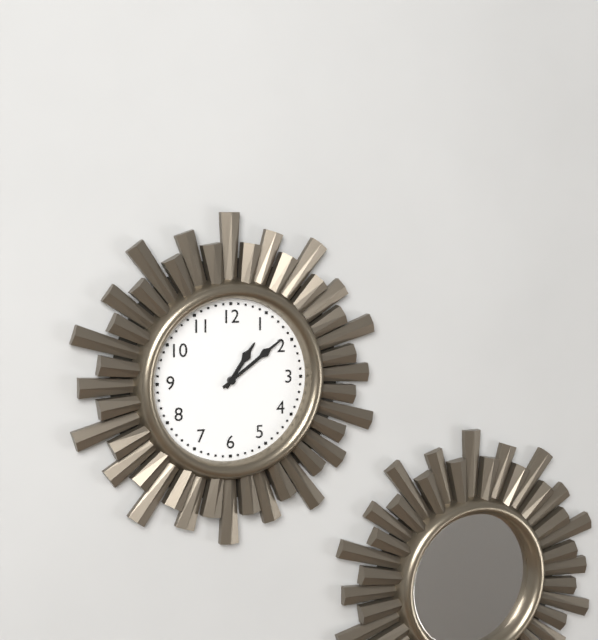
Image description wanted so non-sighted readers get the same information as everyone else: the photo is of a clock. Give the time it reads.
1:09
